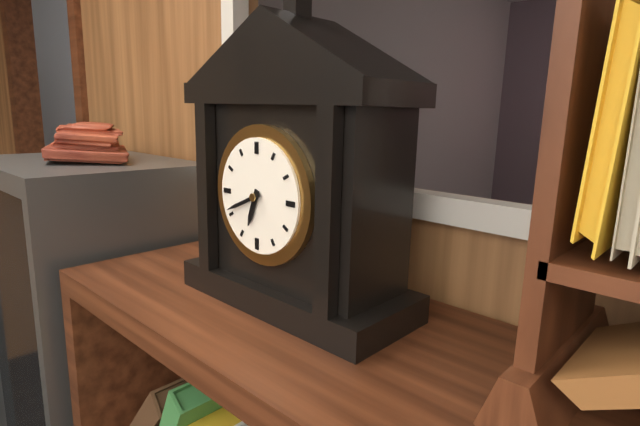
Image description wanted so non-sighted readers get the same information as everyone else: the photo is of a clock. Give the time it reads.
6:41
